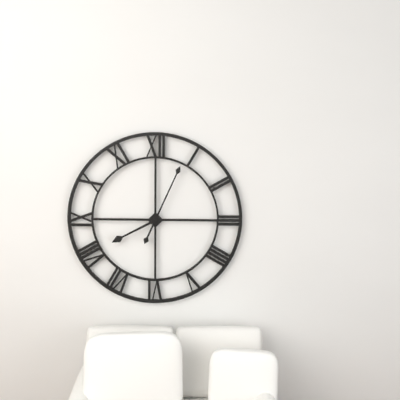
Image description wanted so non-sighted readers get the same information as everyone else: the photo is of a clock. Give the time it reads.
8:04
